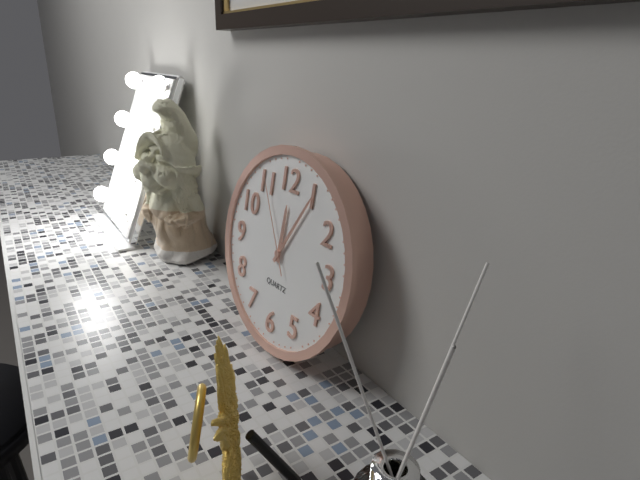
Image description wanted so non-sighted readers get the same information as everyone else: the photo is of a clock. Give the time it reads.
12:05:55
